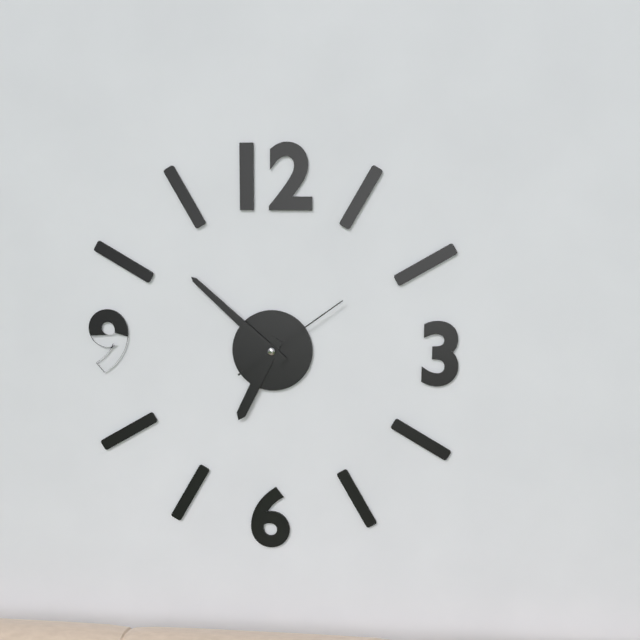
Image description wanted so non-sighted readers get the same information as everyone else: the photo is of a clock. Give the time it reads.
6:52:09
